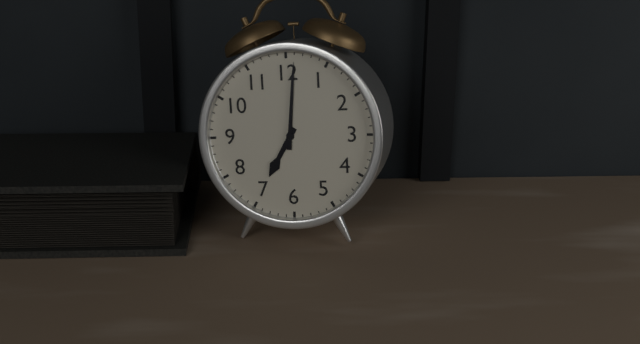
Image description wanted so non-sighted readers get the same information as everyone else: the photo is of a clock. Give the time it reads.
7:01
